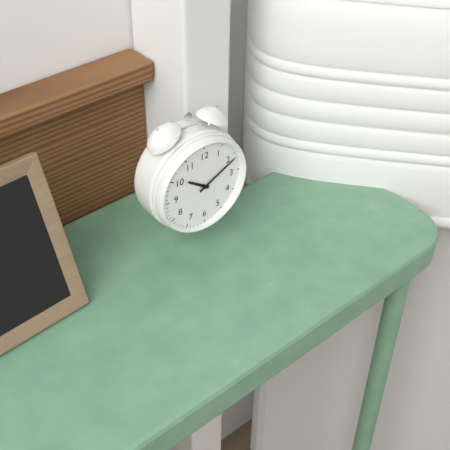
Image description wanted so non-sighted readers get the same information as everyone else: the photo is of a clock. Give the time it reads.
10:11
